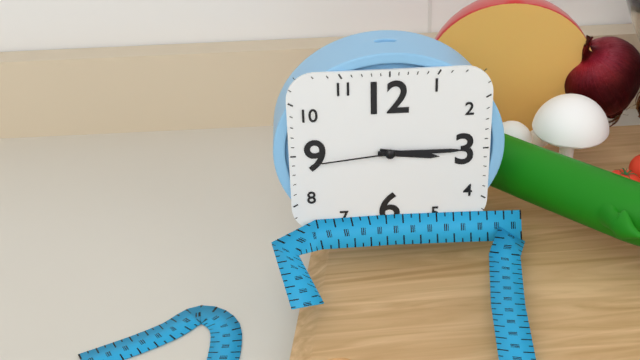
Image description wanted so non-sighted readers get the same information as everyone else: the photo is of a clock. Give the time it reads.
3:15:44
